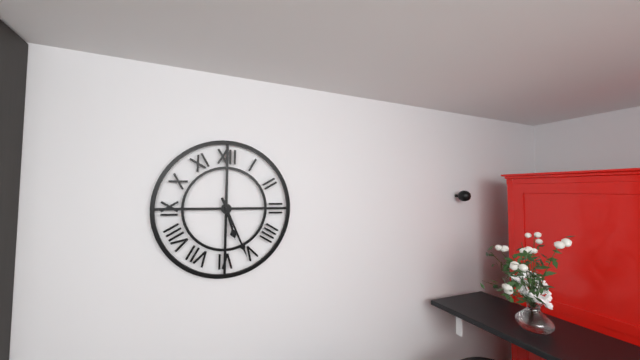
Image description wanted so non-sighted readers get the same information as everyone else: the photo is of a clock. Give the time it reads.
5:26
